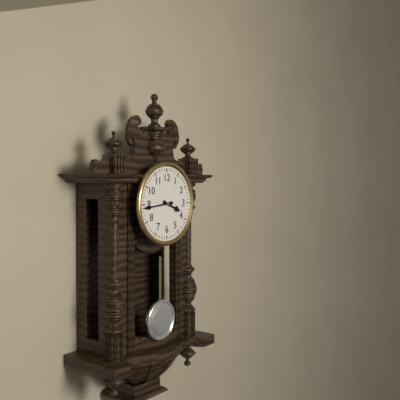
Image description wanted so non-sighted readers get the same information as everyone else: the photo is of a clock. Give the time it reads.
3:44
